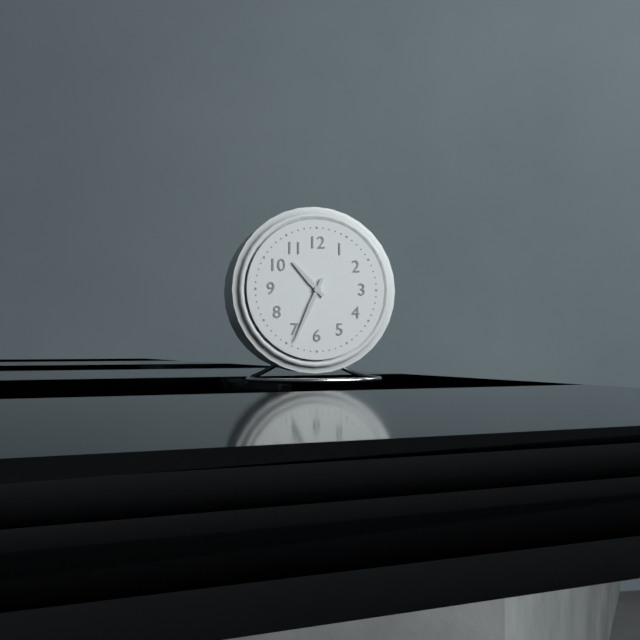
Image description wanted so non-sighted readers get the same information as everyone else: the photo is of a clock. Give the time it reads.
10:34
